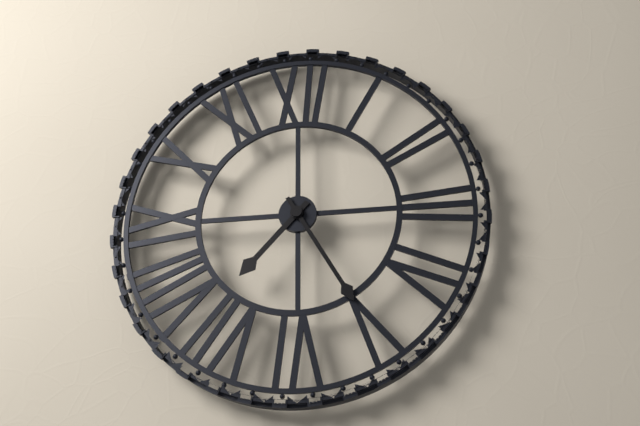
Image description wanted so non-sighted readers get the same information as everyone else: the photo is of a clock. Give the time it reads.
7:25
